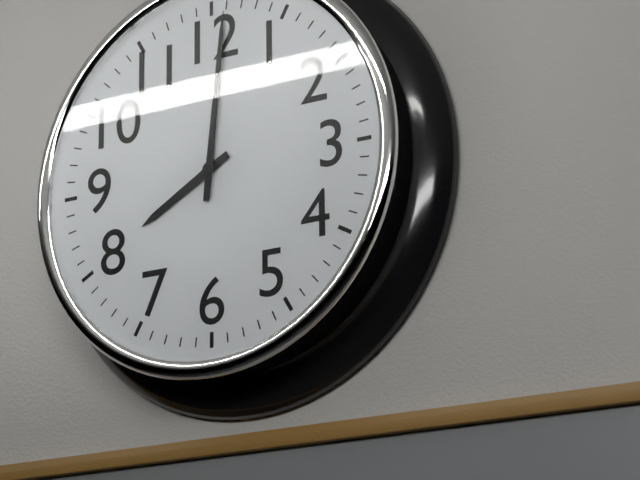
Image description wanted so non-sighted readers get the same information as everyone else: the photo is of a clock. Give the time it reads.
8:01
